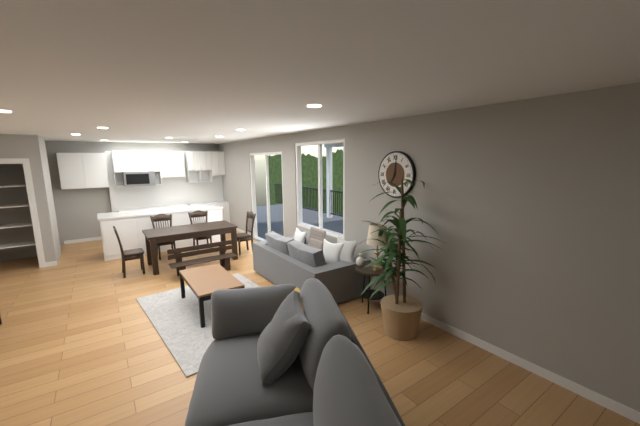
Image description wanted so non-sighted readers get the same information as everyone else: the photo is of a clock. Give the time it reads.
7:01
